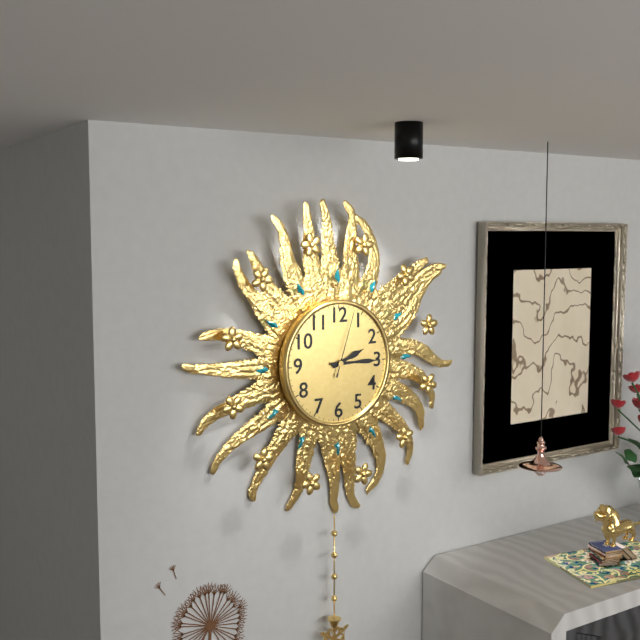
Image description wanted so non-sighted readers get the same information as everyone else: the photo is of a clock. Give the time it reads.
2:15:03
